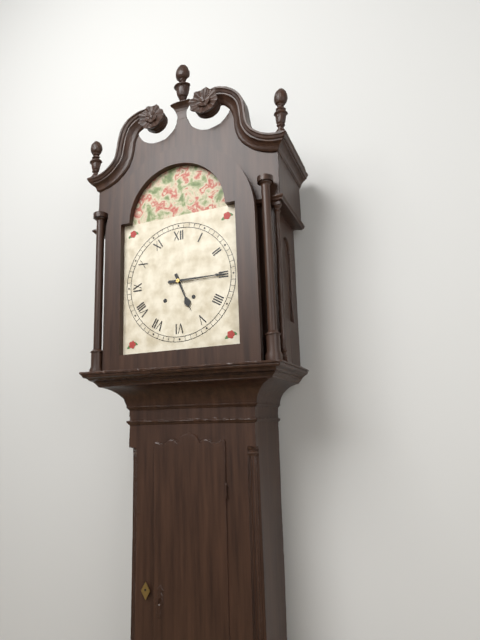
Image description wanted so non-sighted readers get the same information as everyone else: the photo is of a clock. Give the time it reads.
5:15
